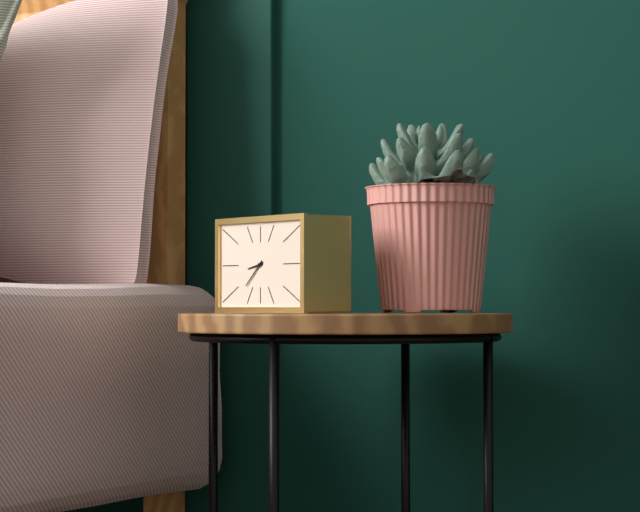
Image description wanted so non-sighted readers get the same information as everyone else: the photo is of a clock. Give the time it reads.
8:38
